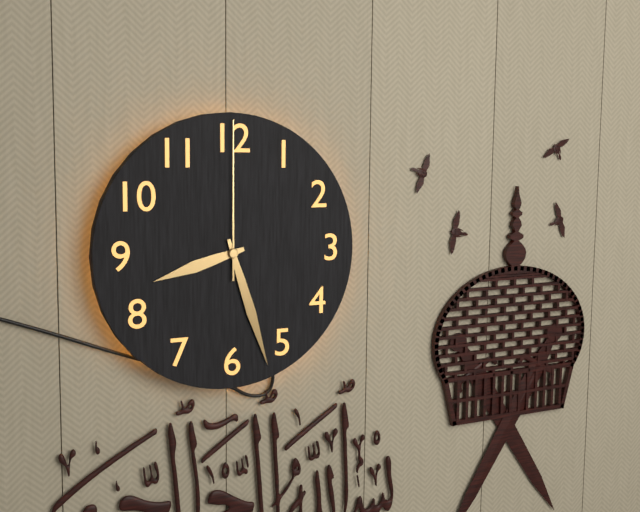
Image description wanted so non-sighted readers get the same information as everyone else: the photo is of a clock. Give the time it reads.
8:27:00
